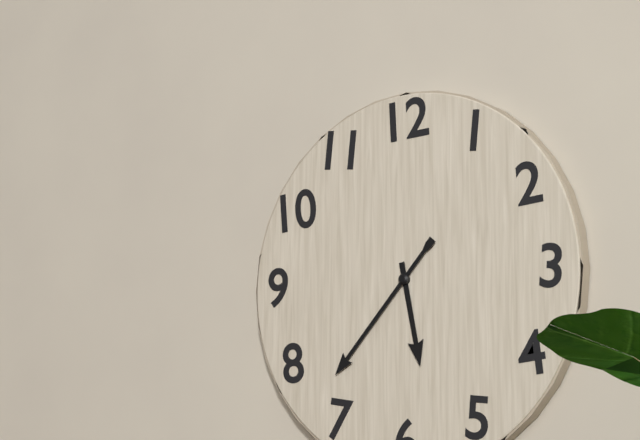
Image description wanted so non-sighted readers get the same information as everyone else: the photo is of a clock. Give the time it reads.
5:37
